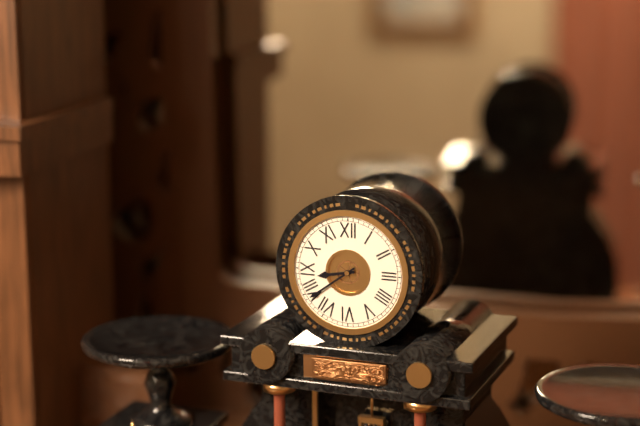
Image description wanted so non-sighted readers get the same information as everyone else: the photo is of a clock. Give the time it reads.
8:39
